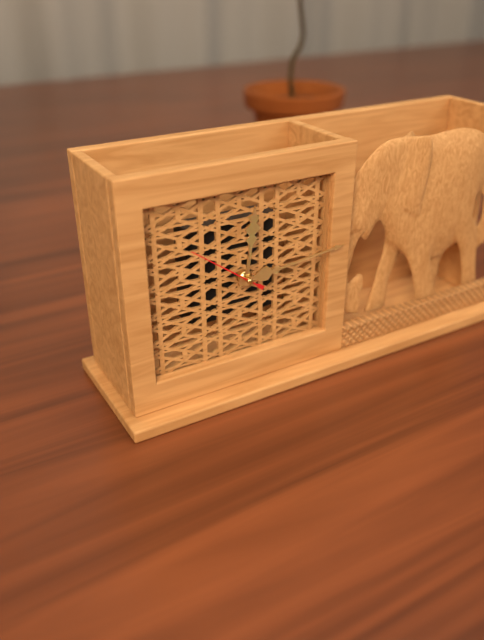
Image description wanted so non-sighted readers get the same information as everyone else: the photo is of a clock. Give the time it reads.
12:14:51
